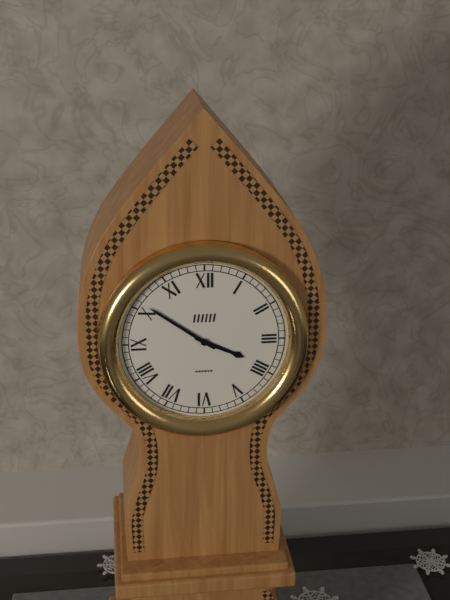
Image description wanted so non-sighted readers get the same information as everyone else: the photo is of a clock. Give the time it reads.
3:51
